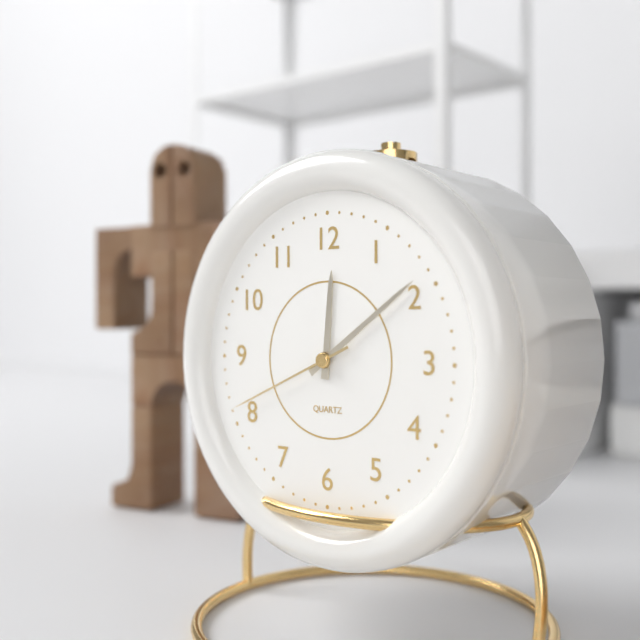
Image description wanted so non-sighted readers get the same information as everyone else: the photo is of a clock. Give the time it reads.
12:09:41
